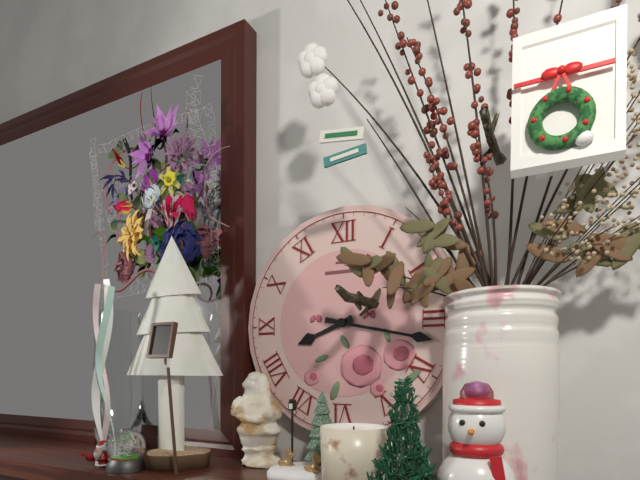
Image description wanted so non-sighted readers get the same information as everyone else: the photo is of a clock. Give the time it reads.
8:17
